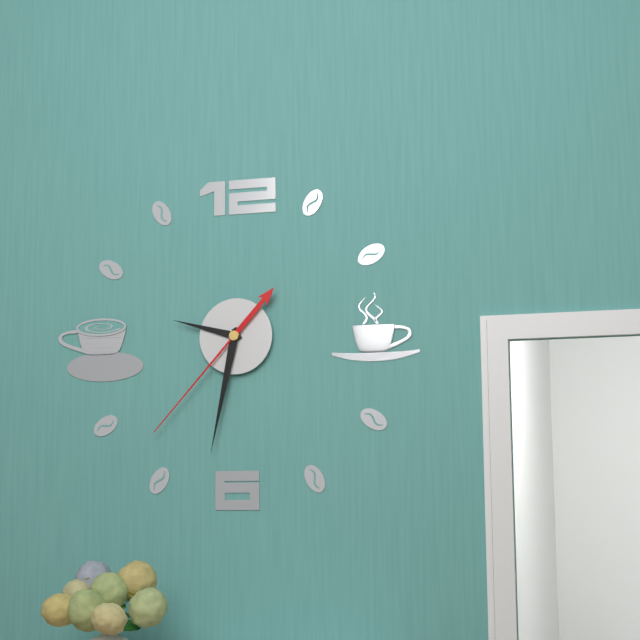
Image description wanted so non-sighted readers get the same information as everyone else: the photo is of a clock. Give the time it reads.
9:32:37
